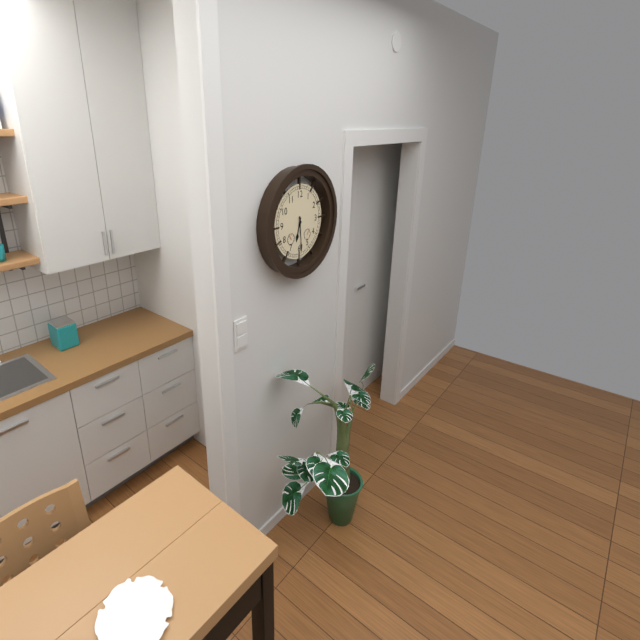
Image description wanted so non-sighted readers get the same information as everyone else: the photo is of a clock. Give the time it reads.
6:29
